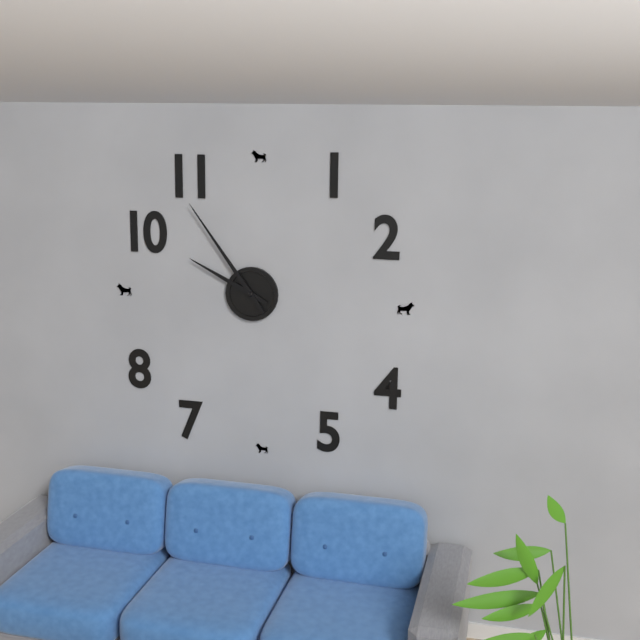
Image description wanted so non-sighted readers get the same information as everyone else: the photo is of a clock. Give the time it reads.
9:54
